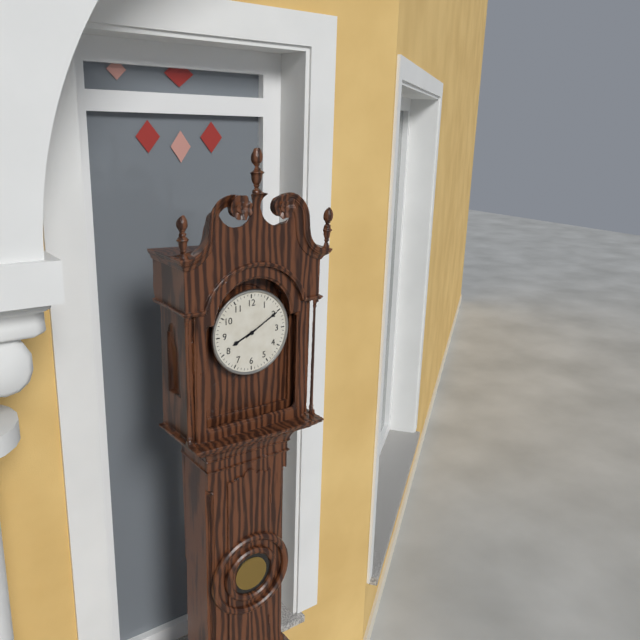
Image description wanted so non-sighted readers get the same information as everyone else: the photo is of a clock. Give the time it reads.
8:10
